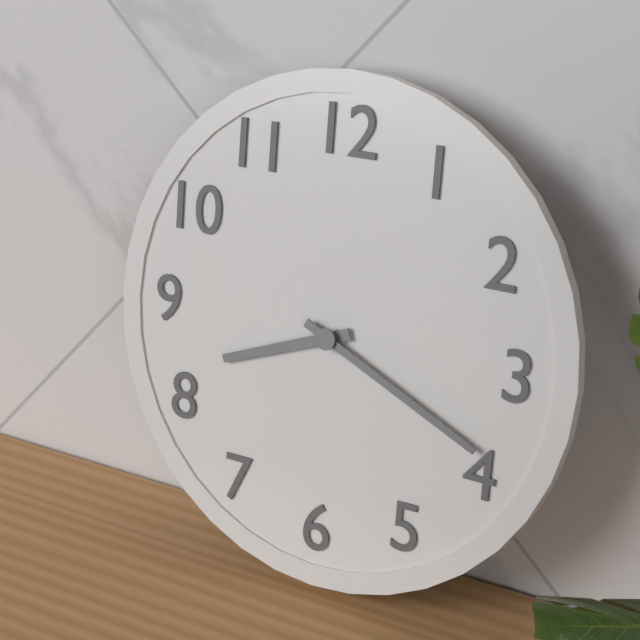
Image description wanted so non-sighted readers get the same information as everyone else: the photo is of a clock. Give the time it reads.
8:19
